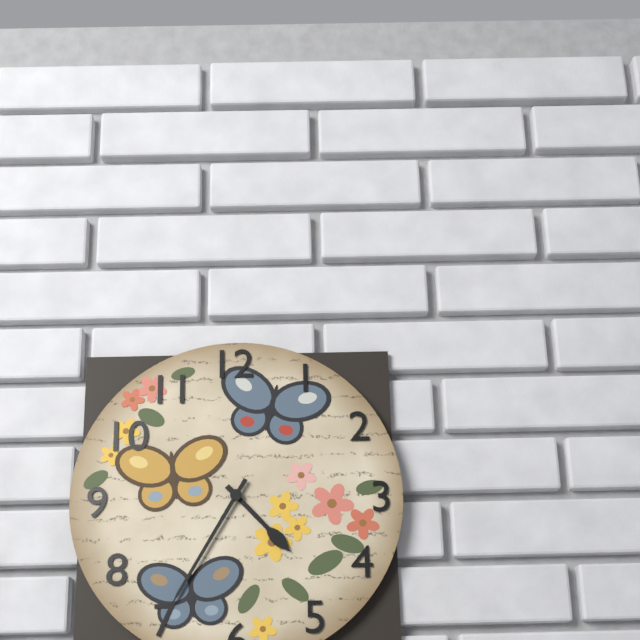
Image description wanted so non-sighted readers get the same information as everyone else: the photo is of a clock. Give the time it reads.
4:35
